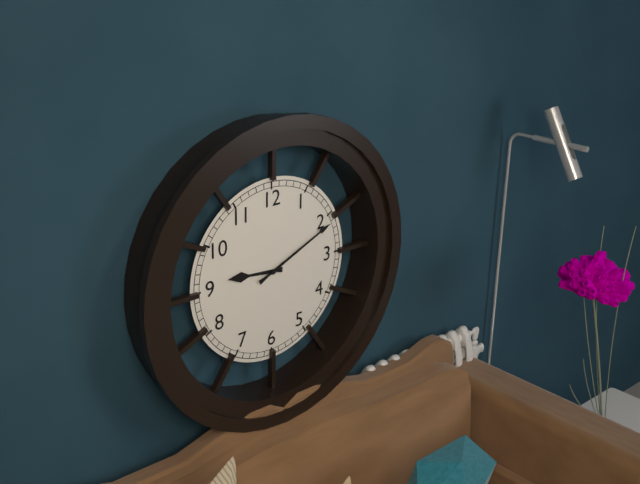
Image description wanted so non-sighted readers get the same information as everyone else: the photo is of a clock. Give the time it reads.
9:11
